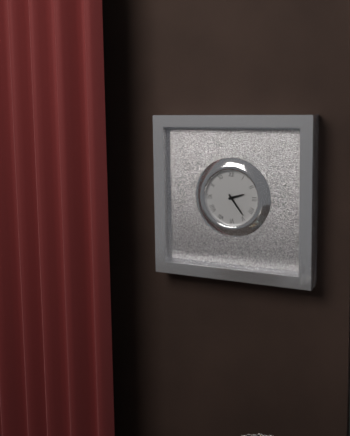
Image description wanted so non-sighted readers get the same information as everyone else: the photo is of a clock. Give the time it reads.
2:24
